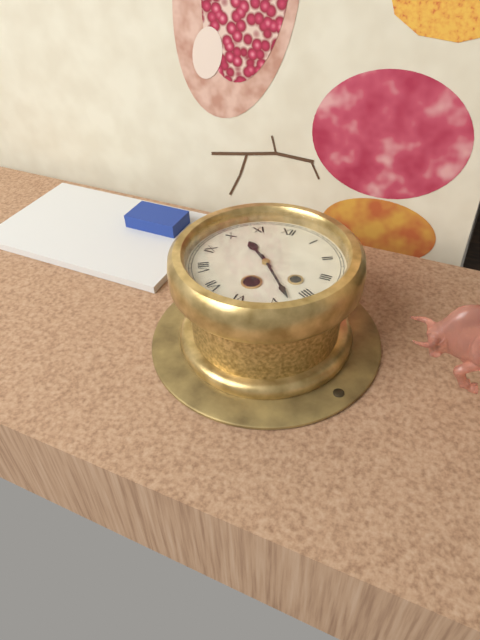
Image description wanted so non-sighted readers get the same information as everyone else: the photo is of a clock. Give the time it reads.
10:23
